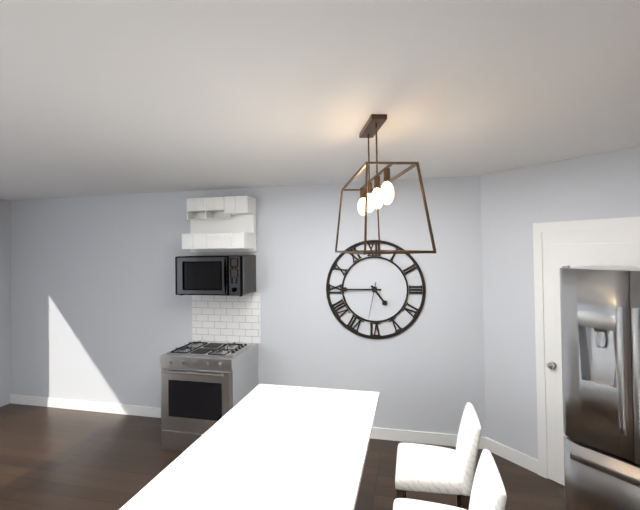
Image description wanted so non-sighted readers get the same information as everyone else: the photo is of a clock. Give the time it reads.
4:45
